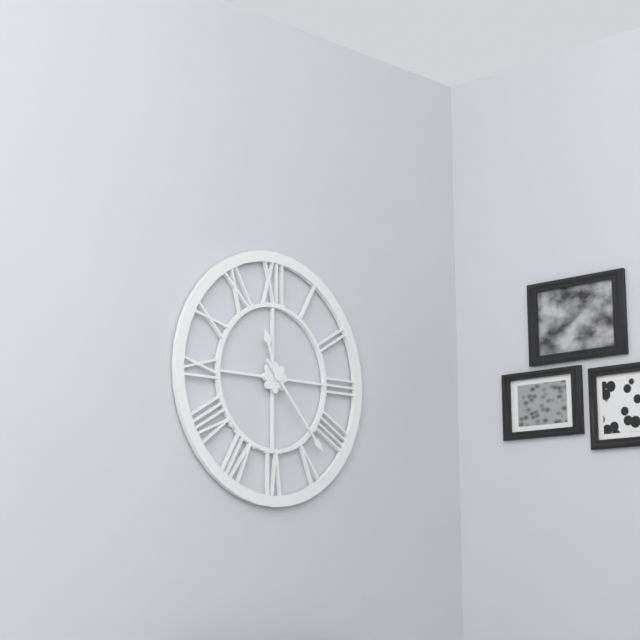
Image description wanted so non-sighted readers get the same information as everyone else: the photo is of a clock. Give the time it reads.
11:23
